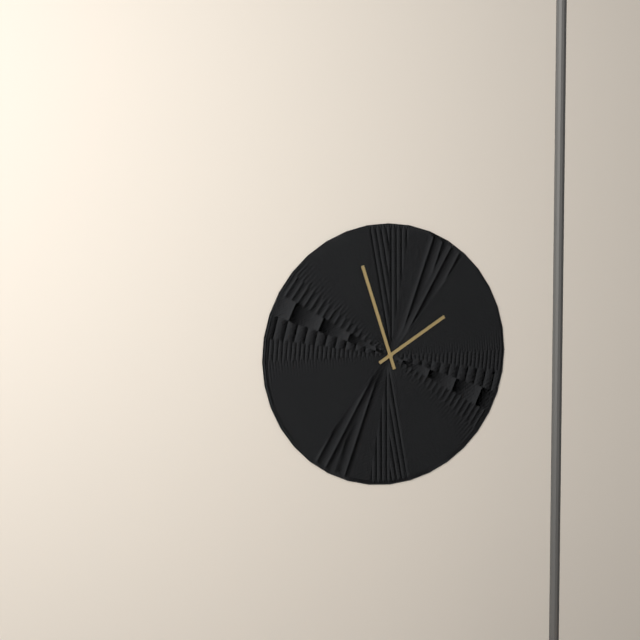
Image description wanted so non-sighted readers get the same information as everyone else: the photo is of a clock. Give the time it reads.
1:57
